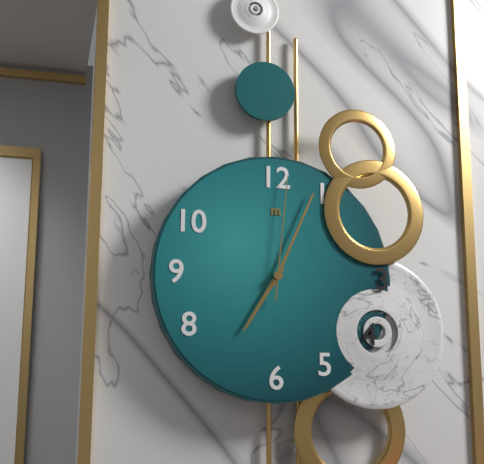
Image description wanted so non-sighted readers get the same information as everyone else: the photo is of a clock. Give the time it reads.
7:04:01
